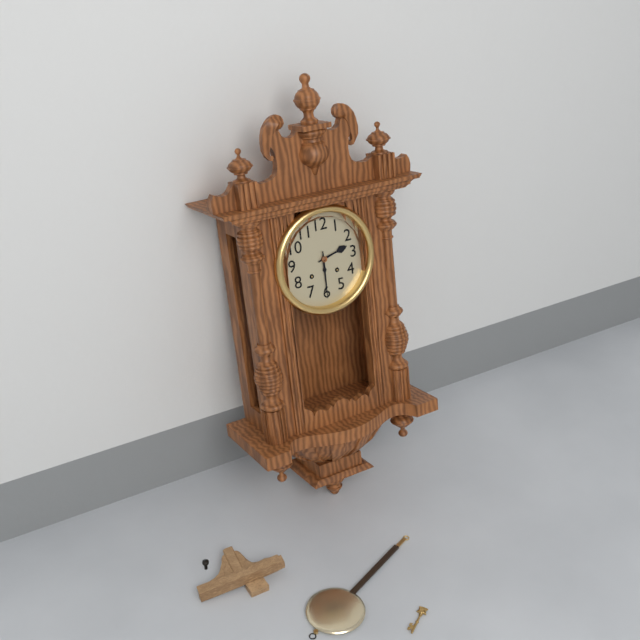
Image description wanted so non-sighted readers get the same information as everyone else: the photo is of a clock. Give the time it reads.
2:30
